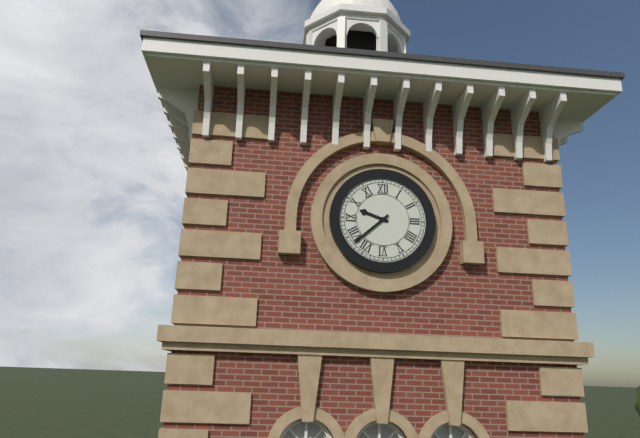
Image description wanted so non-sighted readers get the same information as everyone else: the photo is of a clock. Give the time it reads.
9:38
